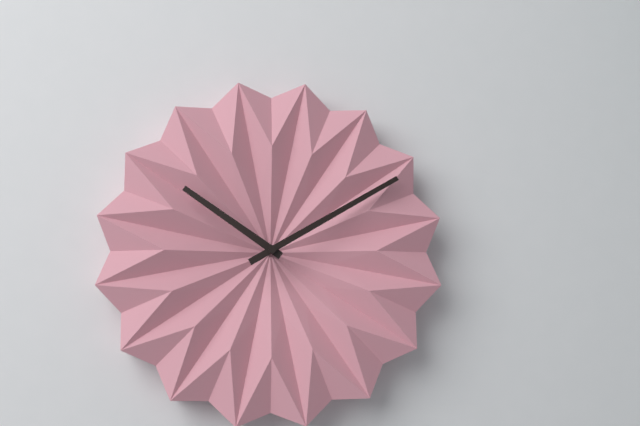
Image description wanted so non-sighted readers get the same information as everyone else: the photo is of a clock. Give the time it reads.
10:10
